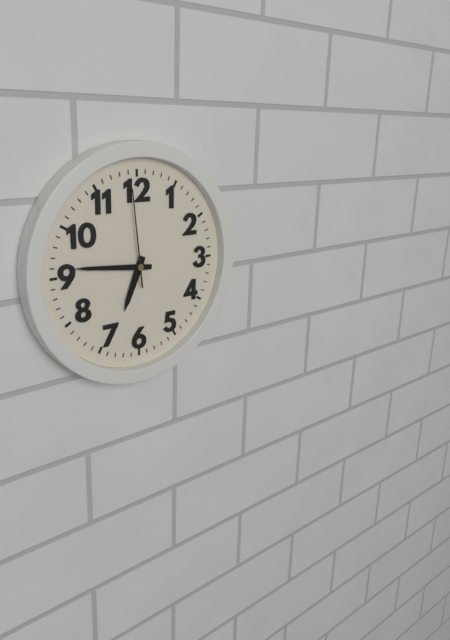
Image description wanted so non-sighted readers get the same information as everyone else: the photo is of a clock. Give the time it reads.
6:46:59
